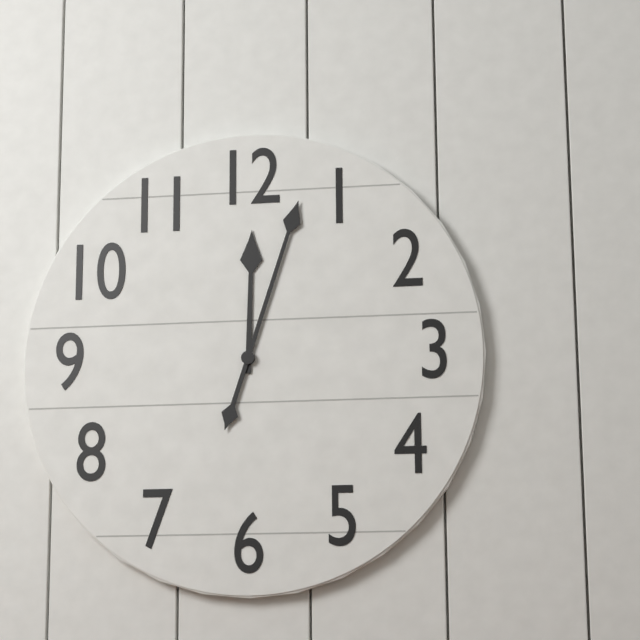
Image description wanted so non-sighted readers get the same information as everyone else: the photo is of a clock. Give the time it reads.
12:03
